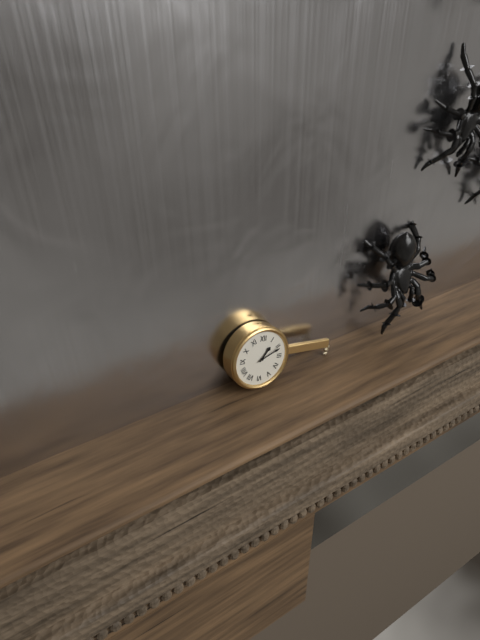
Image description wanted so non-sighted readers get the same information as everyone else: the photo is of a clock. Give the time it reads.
1:11
